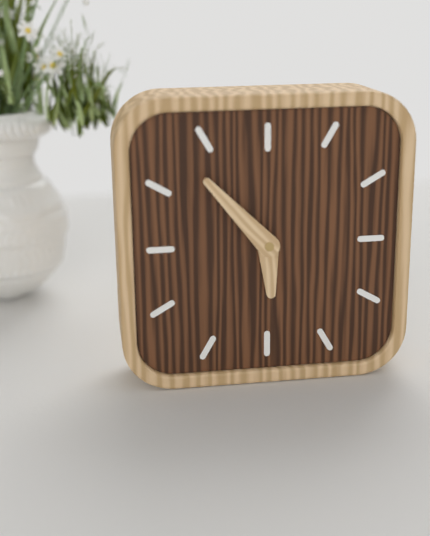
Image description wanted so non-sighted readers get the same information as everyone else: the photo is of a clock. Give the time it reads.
5:53
